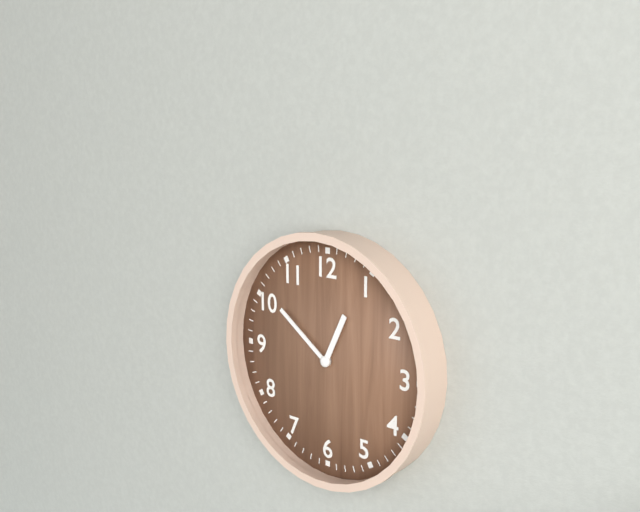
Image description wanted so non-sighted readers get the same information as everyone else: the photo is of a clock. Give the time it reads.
12:51
